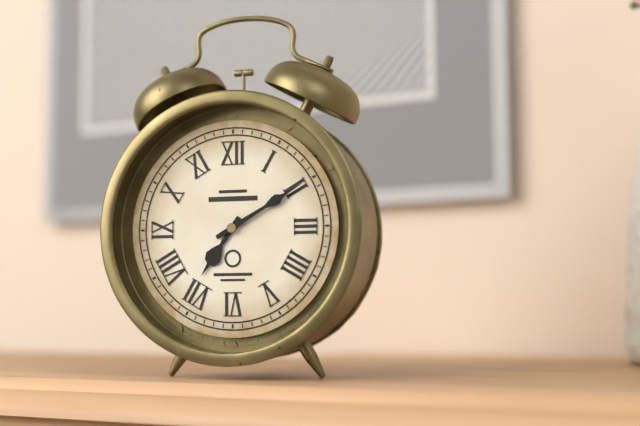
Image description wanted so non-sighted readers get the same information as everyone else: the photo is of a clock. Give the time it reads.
7:10
